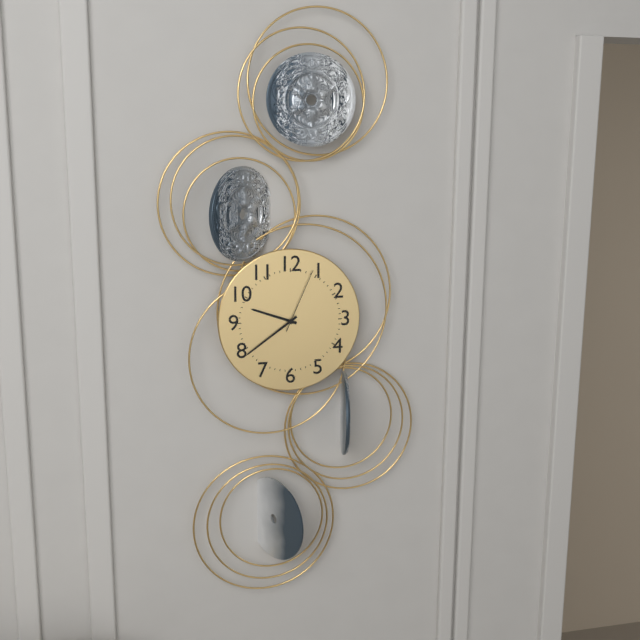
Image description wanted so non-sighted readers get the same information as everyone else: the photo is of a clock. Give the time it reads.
9:39:04
